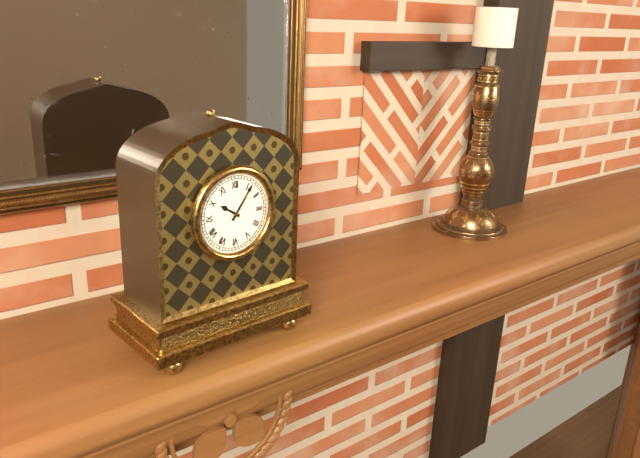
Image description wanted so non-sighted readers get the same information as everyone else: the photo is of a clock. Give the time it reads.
10:06
